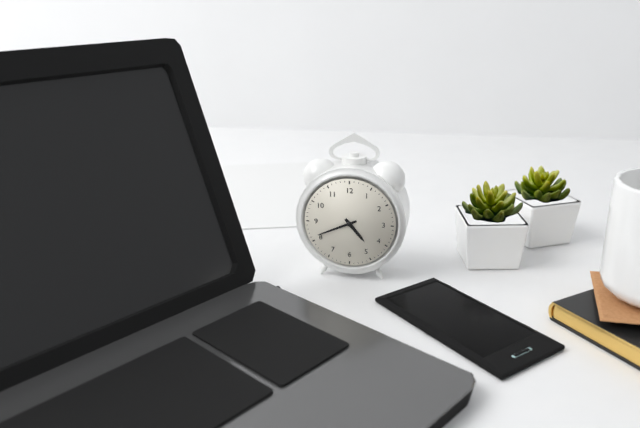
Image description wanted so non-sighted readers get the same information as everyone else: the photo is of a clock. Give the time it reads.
4:41
